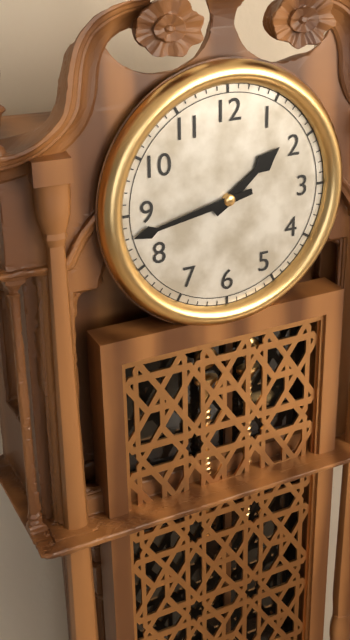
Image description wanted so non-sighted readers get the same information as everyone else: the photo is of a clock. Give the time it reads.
1:43
